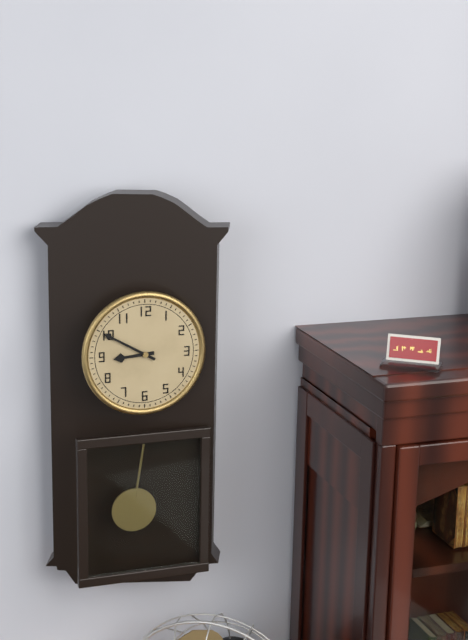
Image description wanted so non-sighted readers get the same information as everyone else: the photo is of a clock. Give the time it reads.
8:50
